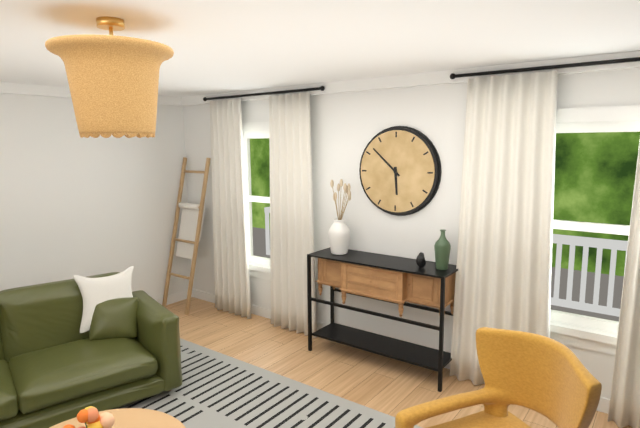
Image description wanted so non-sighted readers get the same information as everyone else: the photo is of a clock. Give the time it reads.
5:52
